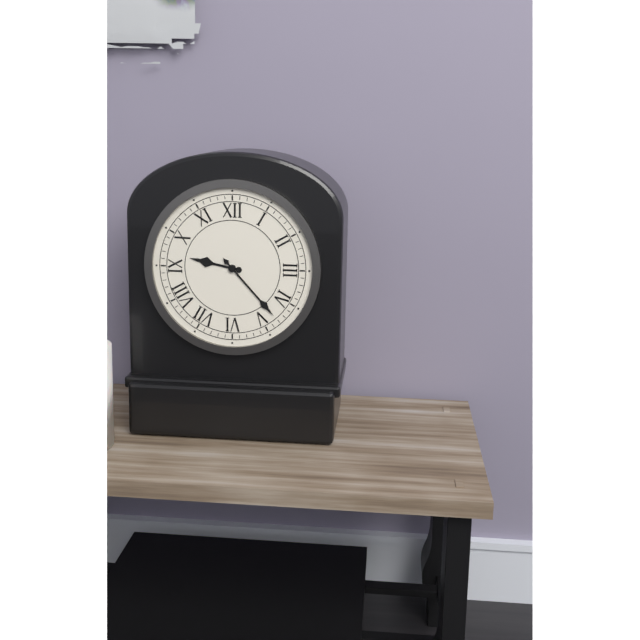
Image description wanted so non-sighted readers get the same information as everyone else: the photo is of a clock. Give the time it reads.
9:23
